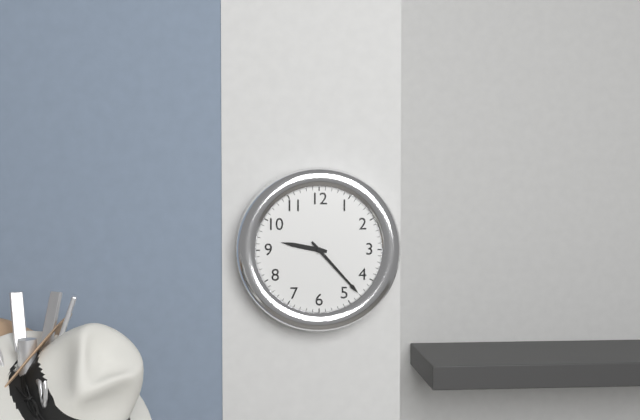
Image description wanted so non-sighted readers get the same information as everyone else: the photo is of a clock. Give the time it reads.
9:23
